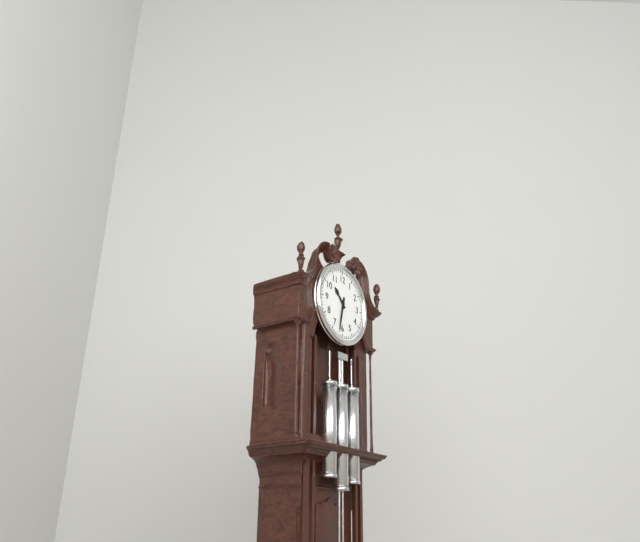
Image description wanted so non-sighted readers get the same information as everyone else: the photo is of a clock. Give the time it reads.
10:32
